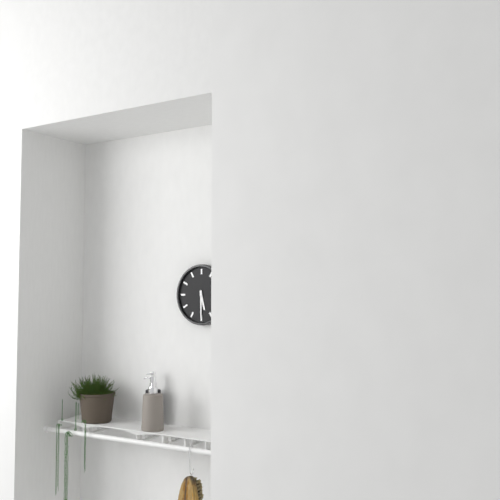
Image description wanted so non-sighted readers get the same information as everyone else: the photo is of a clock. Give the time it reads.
5:30
